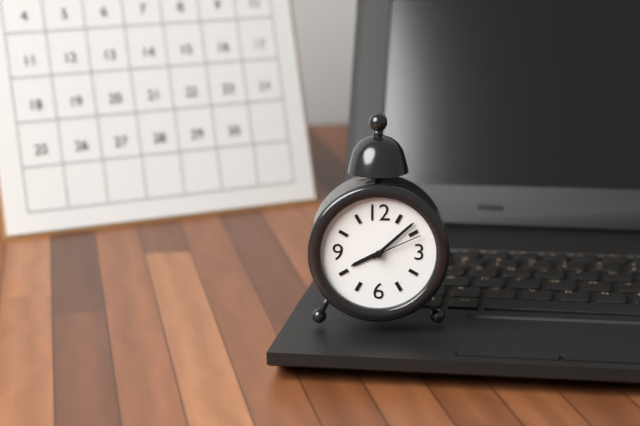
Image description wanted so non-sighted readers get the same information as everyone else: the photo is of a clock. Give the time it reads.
8:08:11
